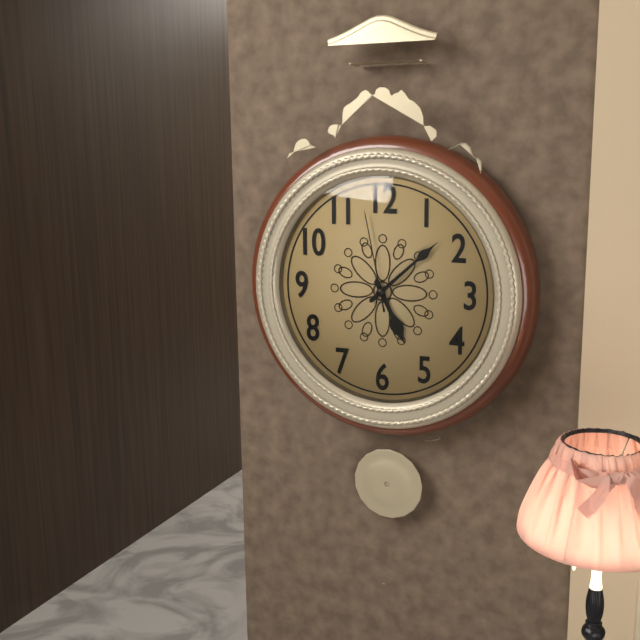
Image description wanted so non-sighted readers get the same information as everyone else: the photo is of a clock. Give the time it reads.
5:08:58
